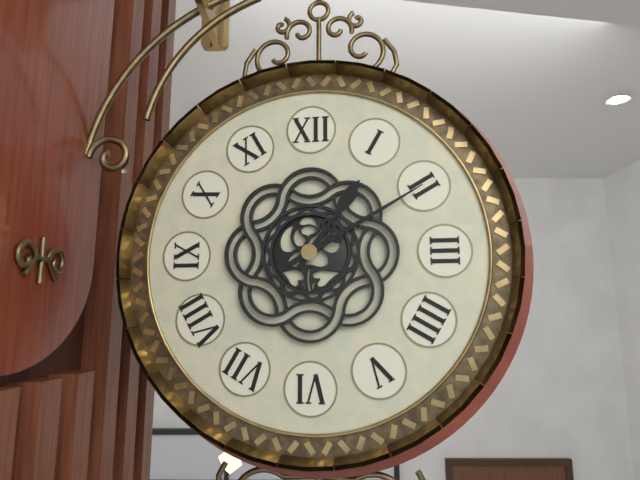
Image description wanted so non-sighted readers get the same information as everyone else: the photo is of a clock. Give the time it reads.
1:10
